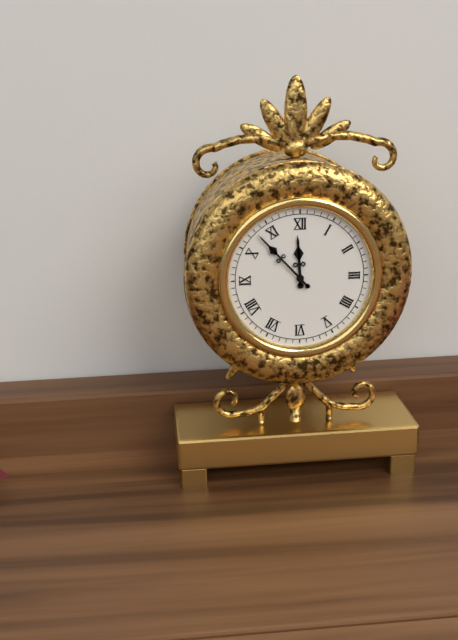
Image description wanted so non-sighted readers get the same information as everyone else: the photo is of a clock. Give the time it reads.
11:53
